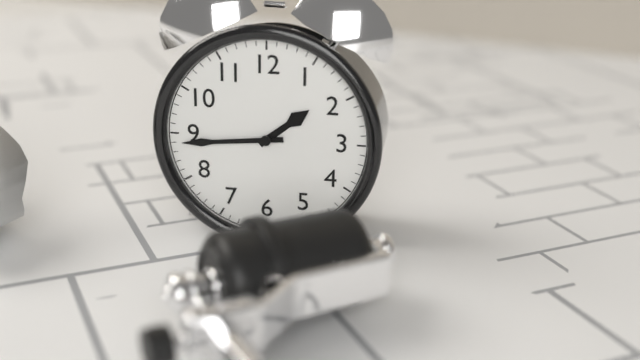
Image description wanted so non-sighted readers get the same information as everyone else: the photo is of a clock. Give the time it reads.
1:44
